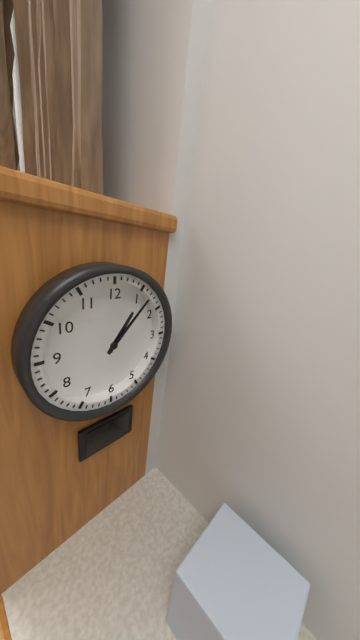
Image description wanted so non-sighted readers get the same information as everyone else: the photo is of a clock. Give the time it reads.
1:07
